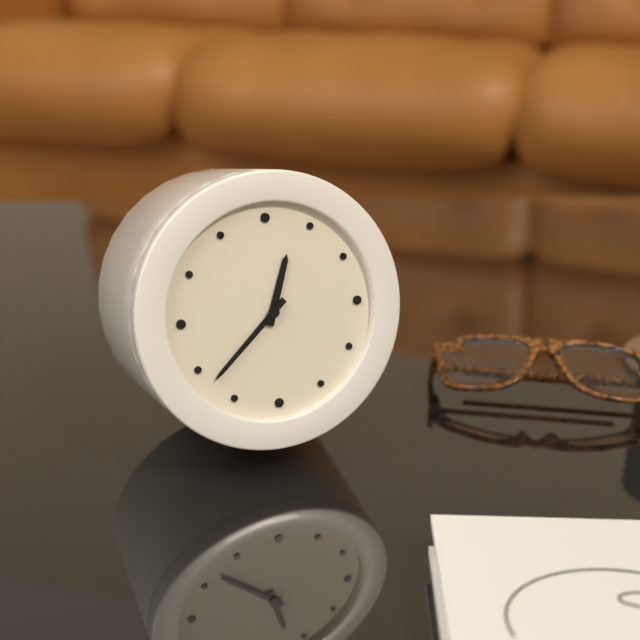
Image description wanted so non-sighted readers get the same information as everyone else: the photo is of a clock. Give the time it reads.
12:38
